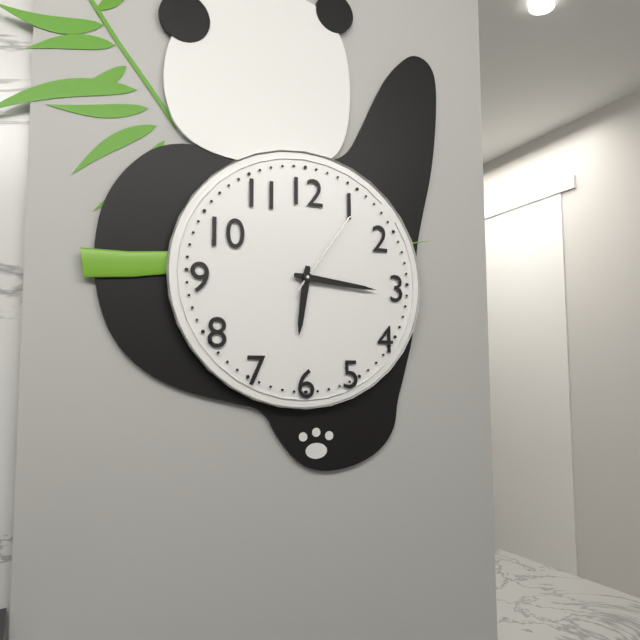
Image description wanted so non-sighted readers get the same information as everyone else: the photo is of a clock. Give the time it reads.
6:16:06
